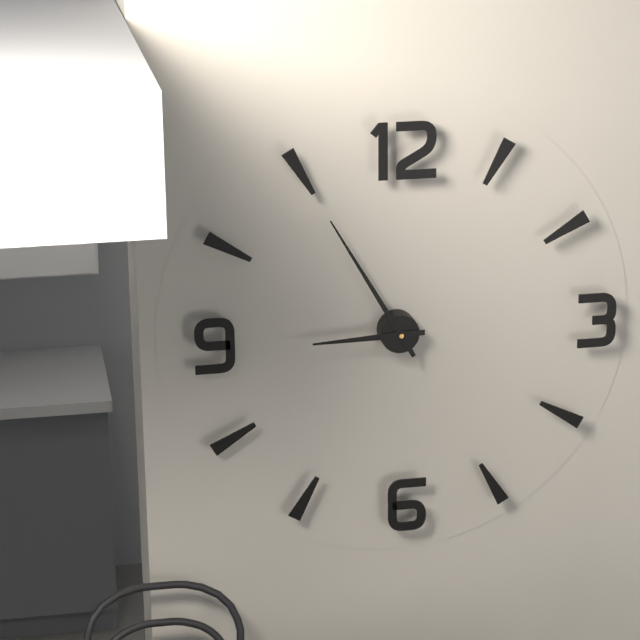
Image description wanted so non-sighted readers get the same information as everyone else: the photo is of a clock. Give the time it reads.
8:55
